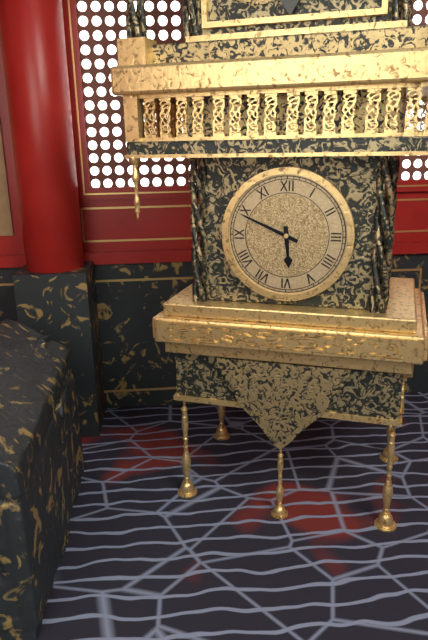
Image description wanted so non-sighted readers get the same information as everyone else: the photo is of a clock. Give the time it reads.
5:49
